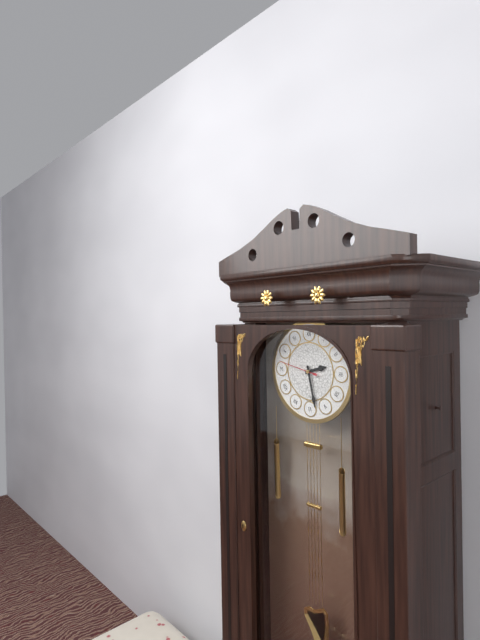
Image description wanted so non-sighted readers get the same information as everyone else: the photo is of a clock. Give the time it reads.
2:28
